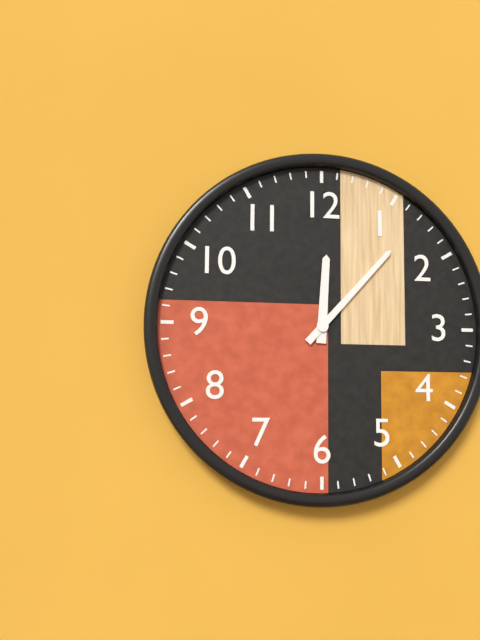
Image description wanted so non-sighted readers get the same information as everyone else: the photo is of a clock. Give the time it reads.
12:07
